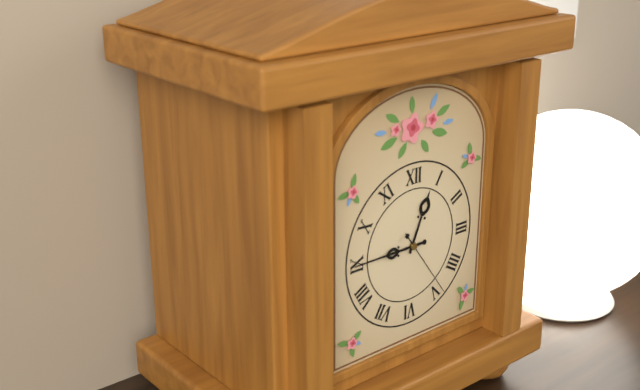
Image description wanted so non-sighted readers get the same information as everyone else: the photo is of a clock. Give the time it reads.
12:45:24
